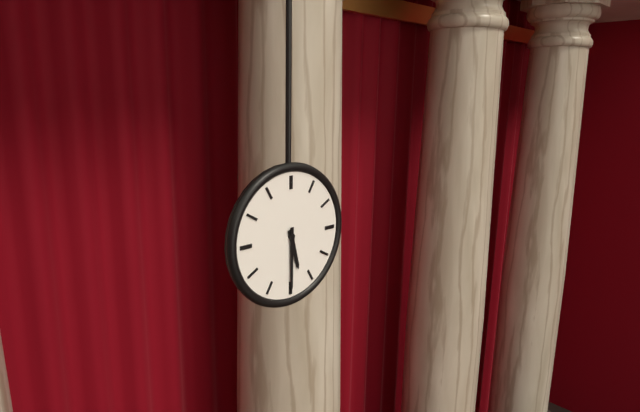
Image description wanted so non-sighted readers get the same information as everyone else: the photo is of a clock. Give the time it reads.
5:30
